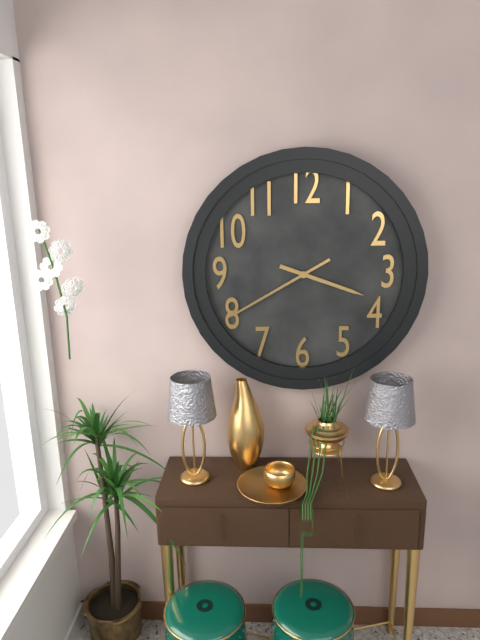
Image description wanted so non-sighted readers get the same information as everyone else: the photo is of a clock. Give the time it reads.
3:40
